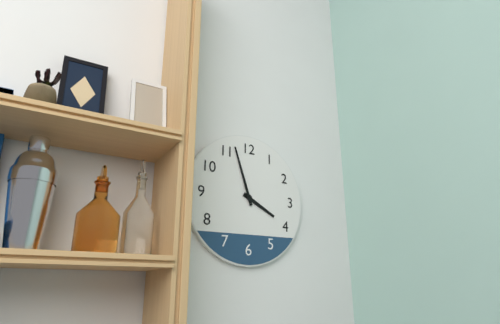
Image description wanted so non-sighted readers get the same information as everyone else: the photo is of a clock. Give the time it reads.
3:57
